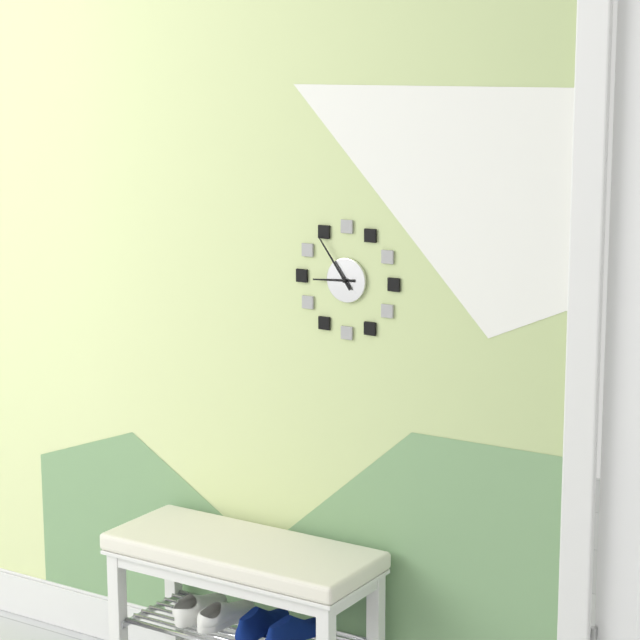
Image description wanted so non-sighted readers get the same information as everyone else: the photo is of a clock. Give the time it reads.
8:54
